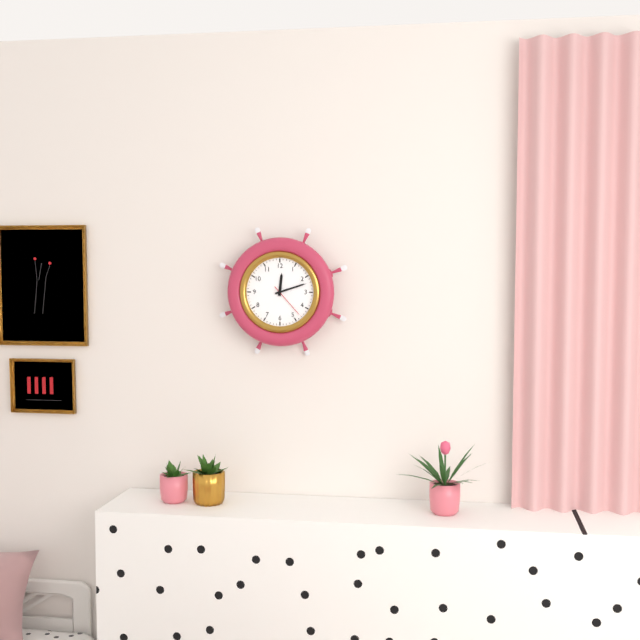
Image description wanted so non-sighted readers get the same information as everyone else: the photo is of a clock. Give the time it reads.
12:12
